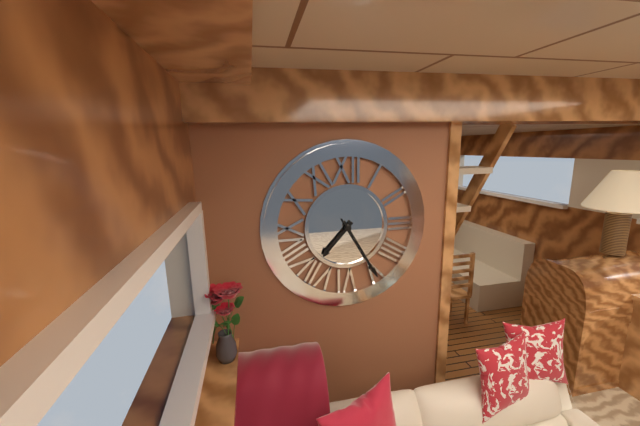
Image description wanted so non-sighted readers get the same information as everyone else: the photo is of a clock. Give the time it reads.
7:25
